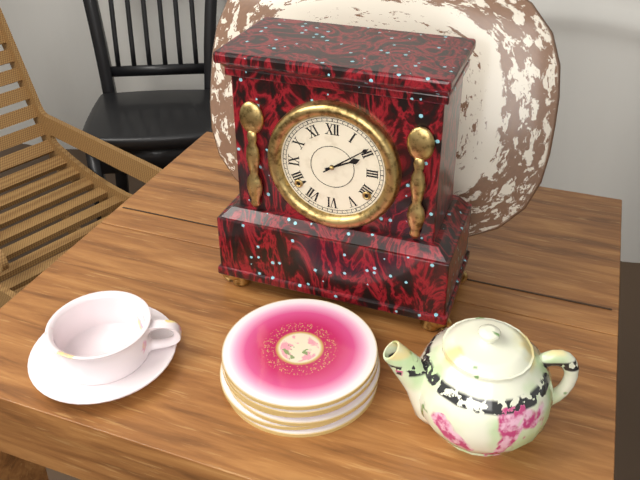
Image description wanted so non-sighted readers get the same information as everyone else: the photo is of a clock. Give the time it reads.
2:09
